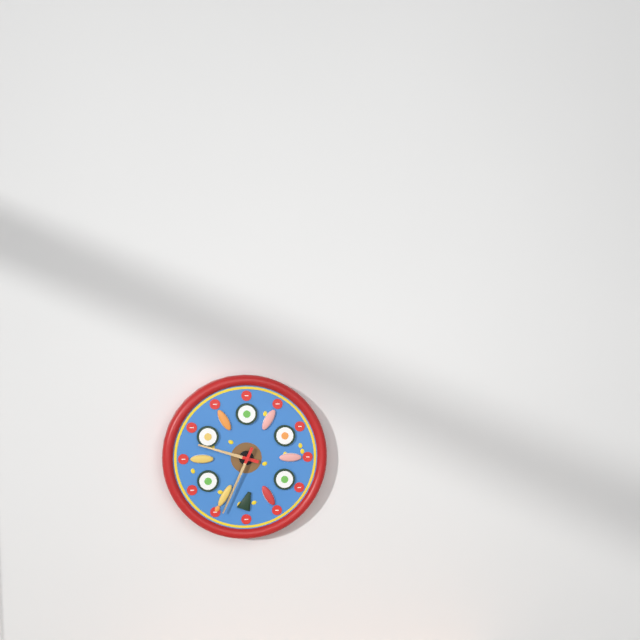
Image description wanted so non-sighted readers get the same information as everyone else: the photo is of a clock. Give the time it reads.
9:34
